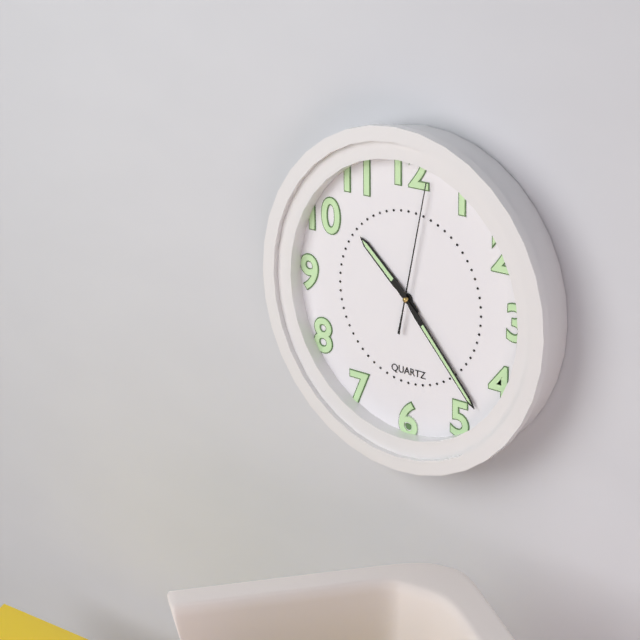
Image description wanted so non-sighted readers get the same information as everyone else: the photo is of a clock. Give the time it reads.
10:23:02
